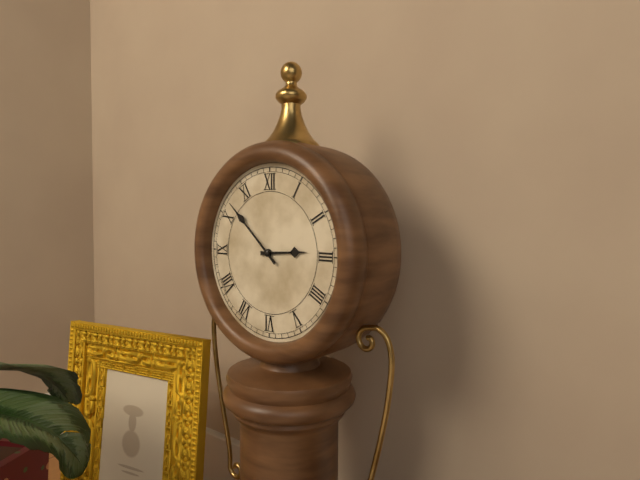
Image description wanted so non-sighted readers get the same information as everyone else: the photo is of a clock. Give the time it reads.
2:52
